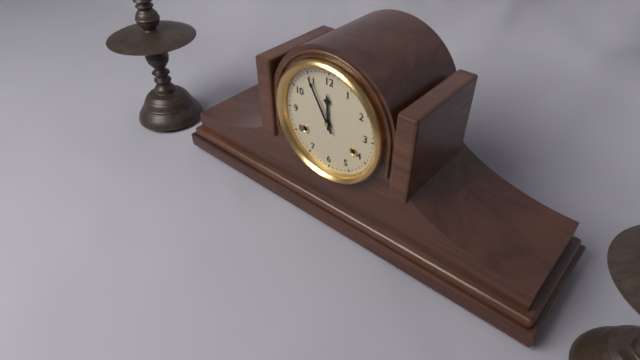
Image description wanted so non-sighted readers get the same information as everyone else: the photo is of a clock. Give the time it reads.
11:55
